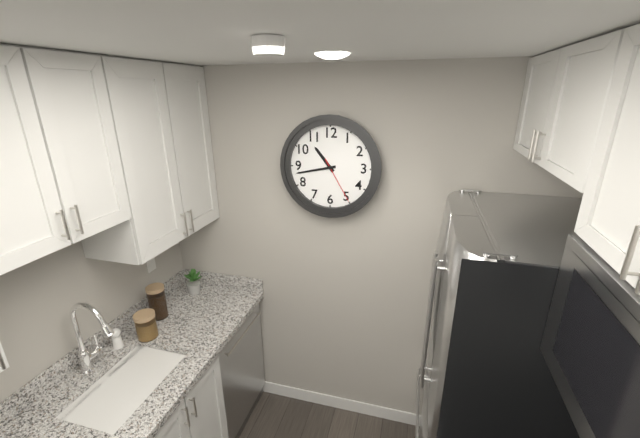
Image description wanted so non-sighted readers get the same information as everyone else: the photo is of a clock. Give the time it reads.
10:43
